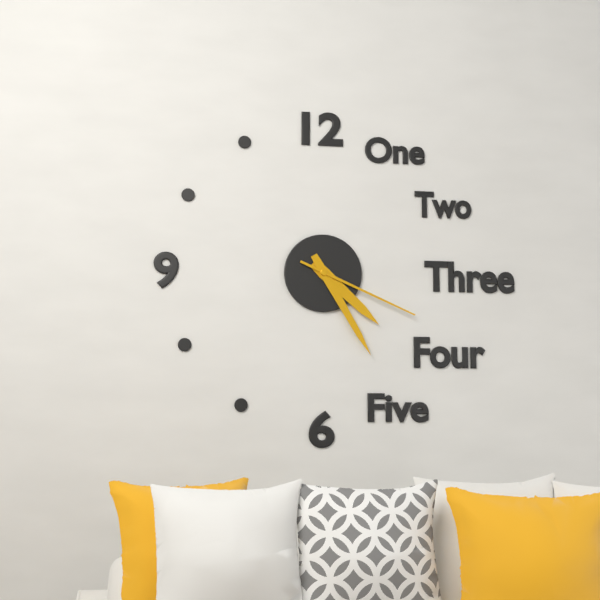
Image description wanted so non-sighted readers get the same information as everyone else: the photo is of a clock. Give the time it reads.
4:25:19
